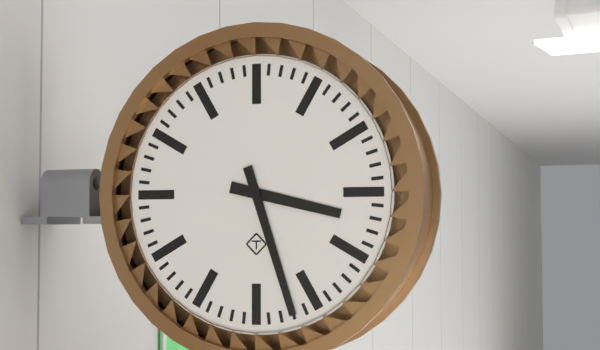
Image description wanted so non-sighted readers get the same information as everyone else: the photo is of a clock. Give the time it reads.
3:27
